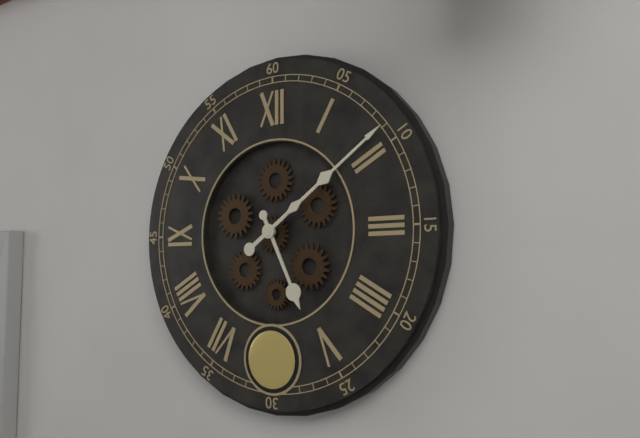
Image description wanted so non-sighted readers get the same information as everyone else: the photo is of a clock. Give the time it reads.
5:09
